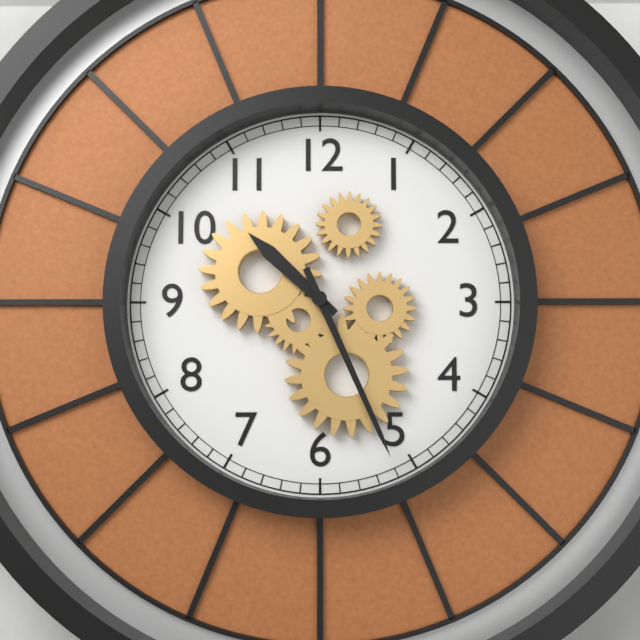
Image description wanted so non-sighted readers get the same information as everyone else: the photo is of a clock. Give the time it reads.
10:26
